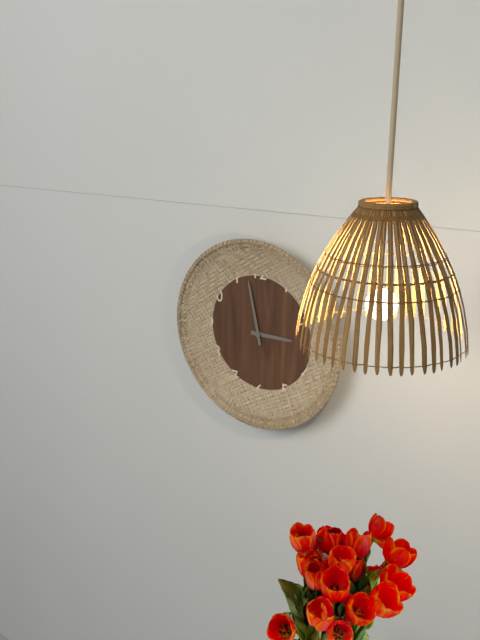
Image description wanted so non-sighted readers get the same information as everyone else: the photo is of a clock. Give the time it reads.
2:58
